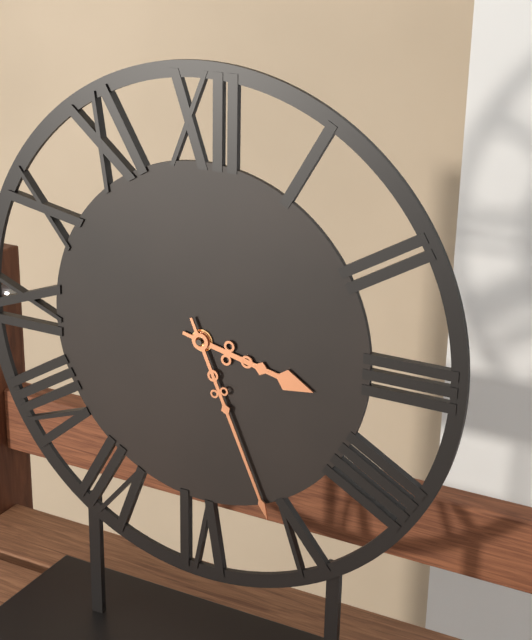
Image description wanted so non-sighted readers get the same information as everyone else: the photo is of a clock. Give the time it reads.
3:26
